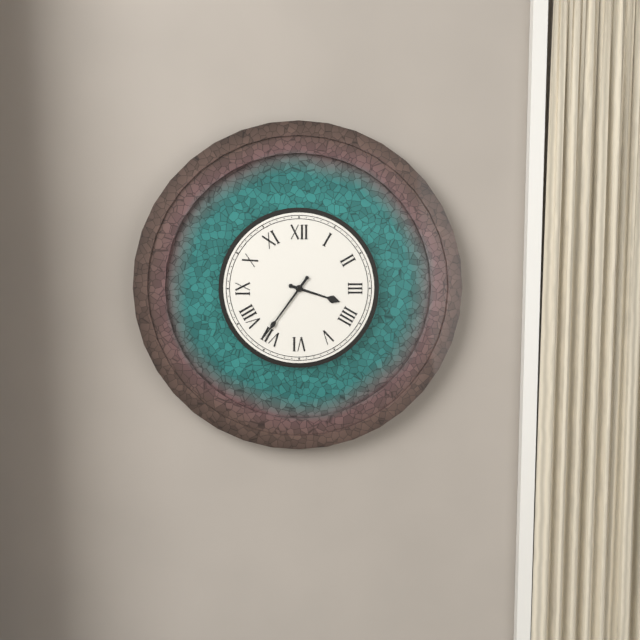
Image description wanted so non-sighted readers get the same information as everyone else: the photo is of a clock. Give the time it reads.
3:36
